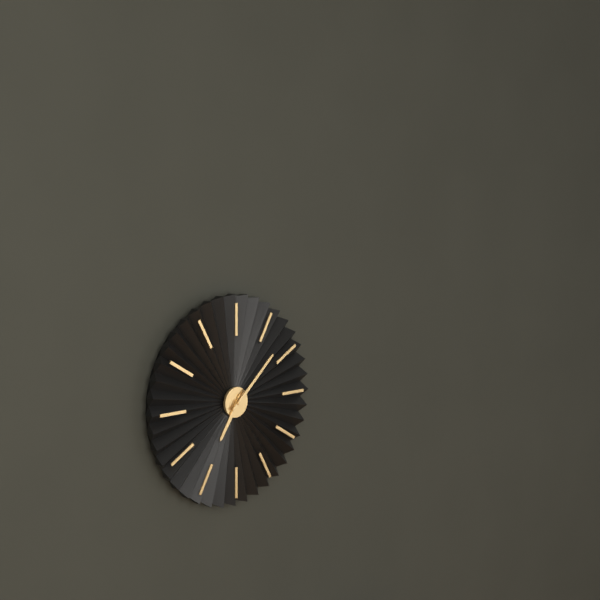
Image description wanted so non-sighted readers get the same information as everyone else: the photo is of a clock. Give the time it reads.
7:08
